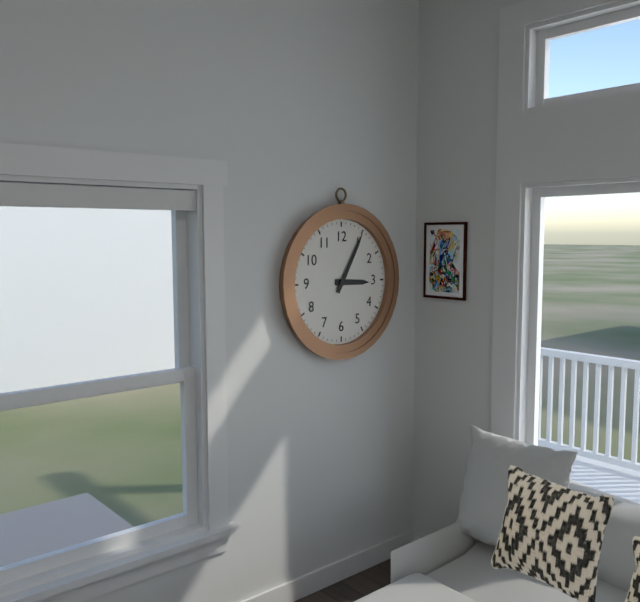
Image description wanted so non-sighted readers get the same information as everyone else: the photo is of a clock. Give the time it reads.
3:05
